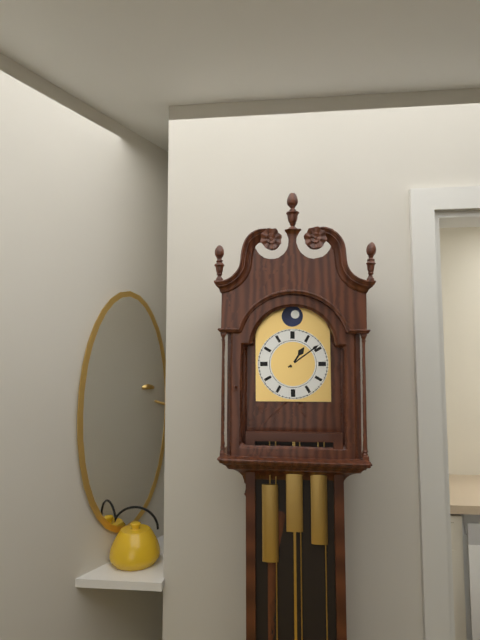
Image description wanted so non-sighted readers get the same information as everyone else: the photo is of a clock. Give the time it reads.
1:09
